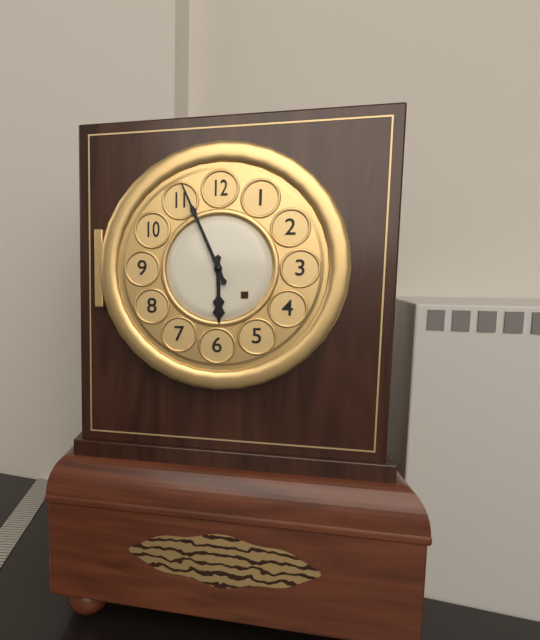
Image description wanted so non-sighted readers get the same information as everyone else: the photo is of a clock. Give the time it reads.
5:56
